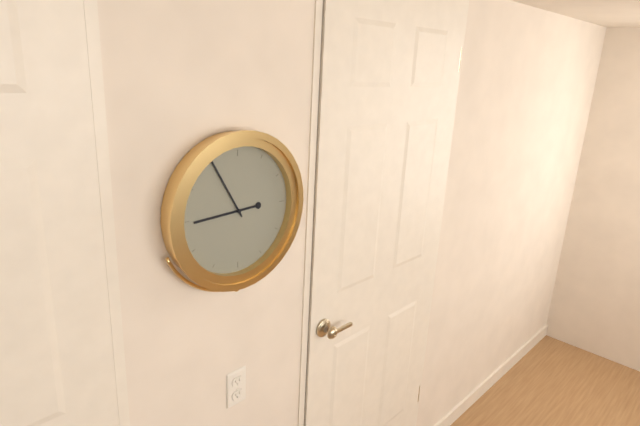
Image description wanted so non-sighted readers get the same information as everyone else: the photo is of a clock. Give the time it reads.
8:55
